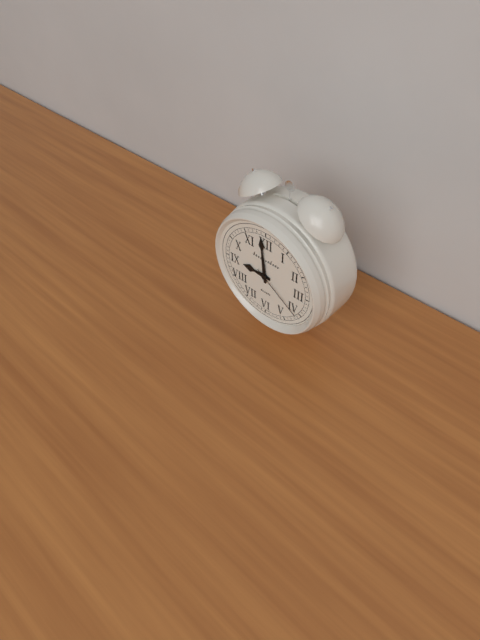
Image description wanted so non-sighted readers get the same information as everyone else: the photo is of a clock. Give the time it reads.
8:59:21
